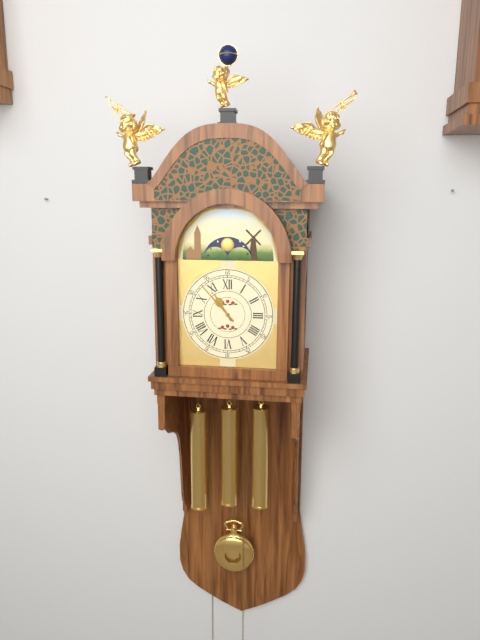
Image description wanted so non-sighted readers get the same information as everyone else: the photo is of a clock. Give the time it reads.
10:53
